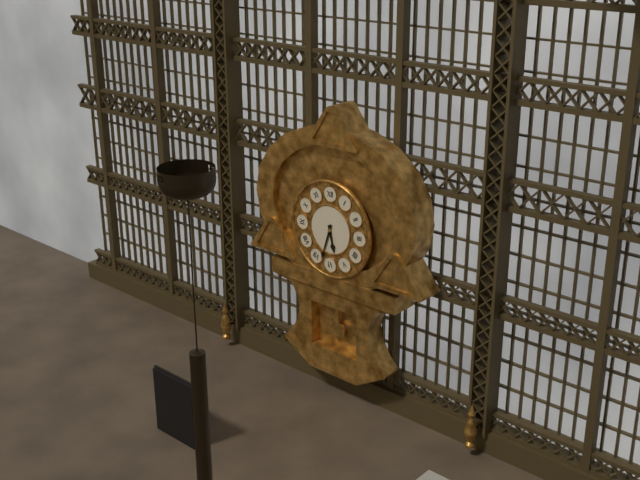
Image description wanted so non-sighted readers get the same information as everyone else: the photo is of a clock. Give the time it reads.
5:33
